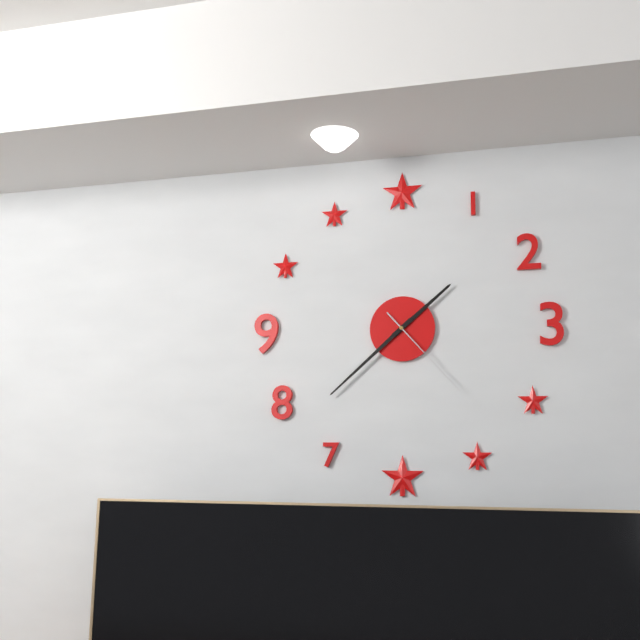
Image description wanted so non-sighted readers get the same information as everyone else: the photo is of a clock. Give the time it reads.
1:38:23
